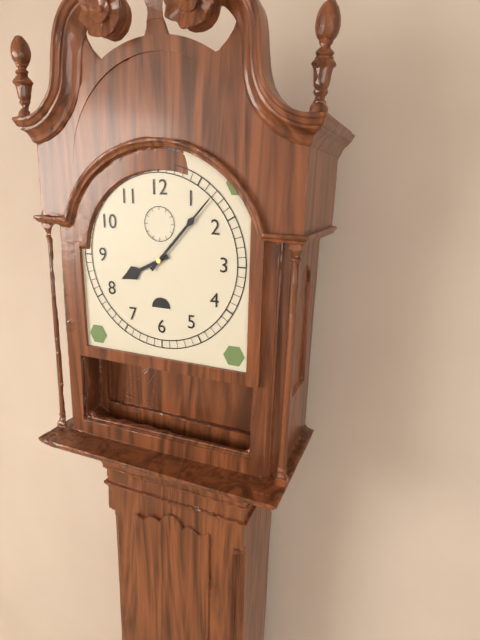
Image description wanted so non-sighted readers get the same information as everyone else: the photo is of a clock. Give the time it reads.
8:07
